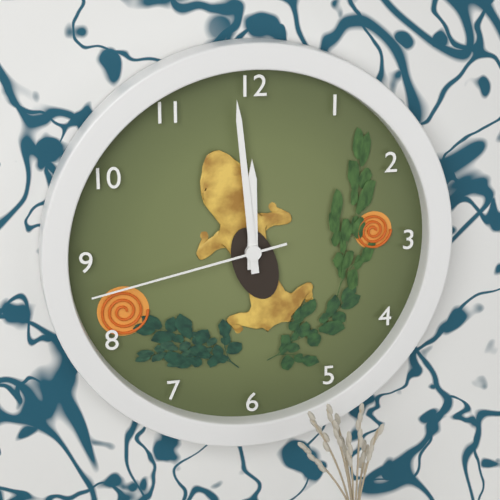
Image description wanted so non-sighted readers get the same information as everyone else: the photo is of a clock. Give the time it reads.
11:59:43
